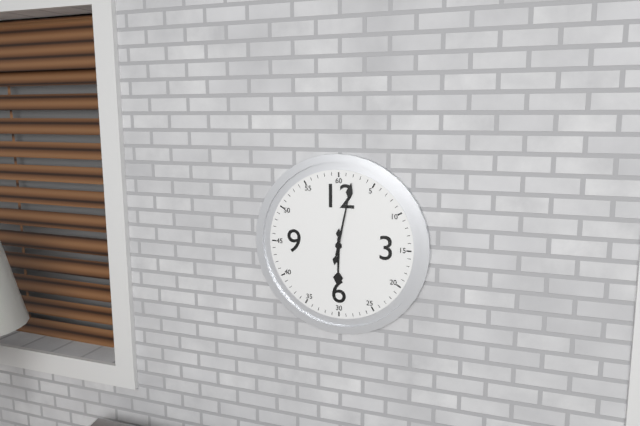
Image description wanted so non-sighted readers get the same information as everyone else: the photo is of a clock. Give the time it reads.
6:02
